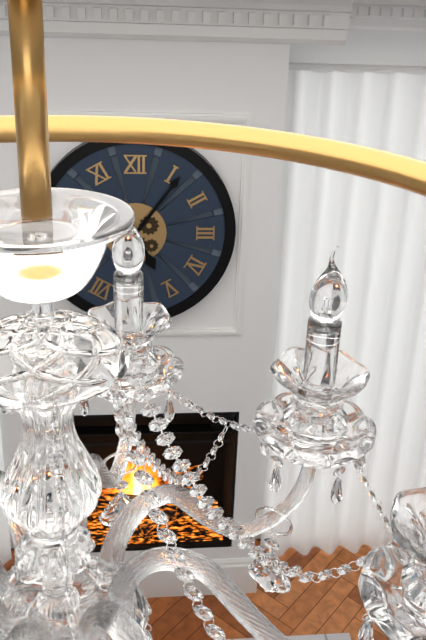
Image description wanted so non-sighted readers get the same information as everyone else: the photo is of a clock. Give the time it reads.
5:06
